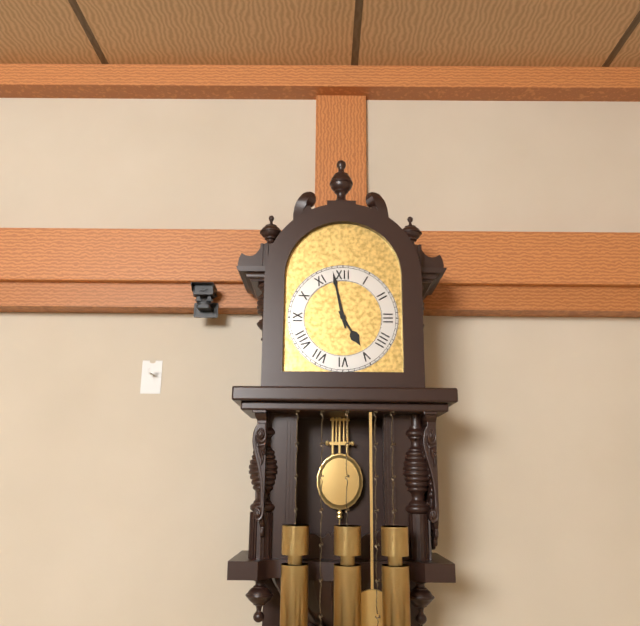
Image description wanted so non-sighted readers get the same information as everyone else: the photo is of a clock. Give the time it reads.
4:58
